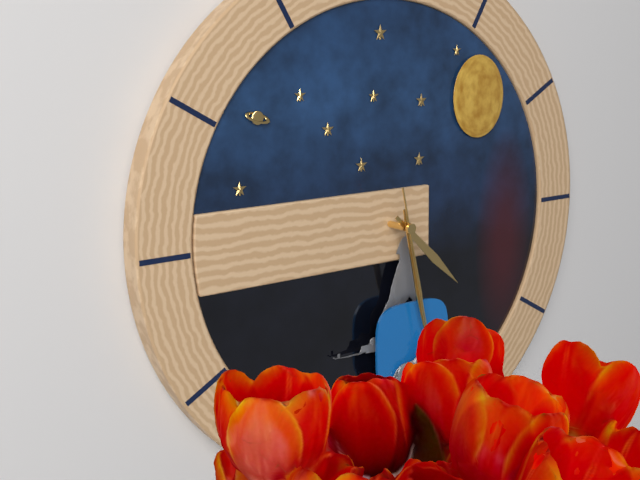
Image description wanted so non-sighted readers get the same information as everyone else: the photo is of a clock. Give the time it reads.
4:28:28
